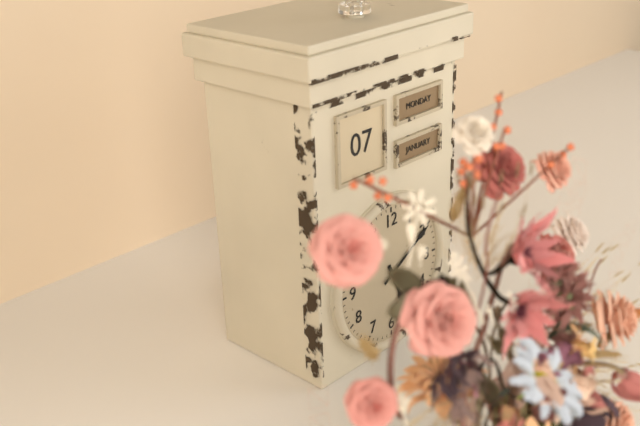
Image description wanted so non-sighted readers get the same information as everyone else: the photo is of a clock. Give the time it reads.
5:10
